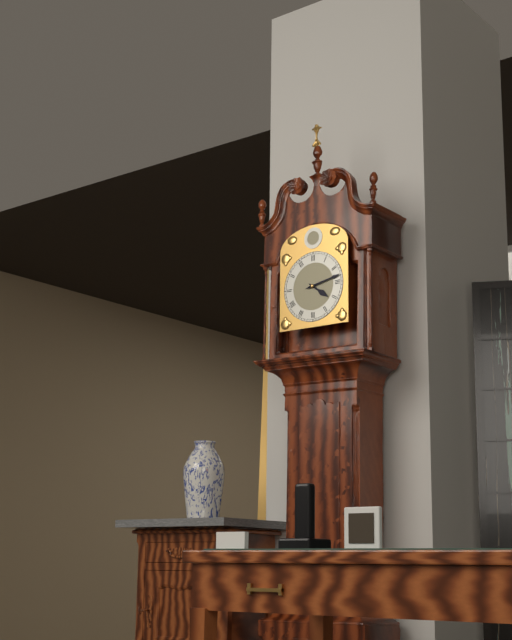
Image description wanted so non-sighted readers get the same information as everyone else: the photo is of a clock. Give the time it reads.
4:13
